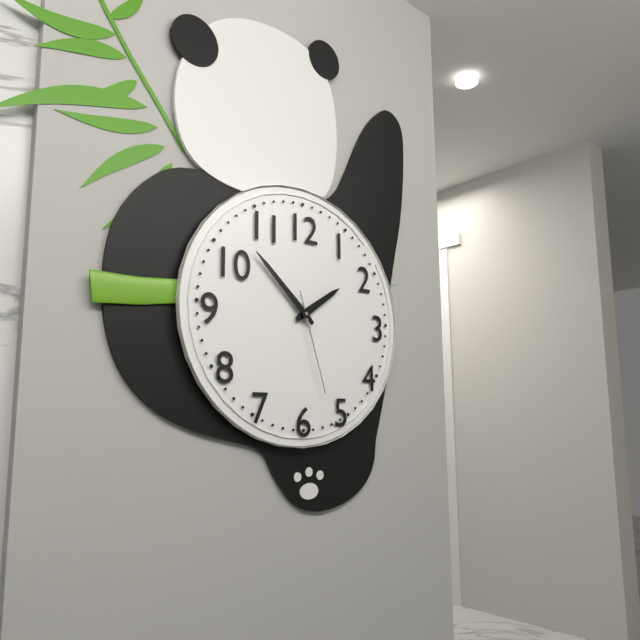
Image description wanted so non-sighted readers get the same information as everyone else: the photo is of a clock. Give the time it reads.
1:52:27
